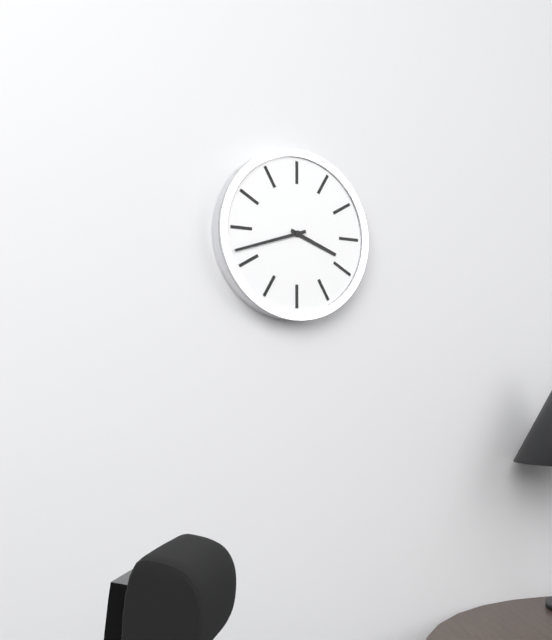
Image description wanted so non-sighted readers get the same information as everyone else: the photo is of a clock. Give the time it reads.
3:42
